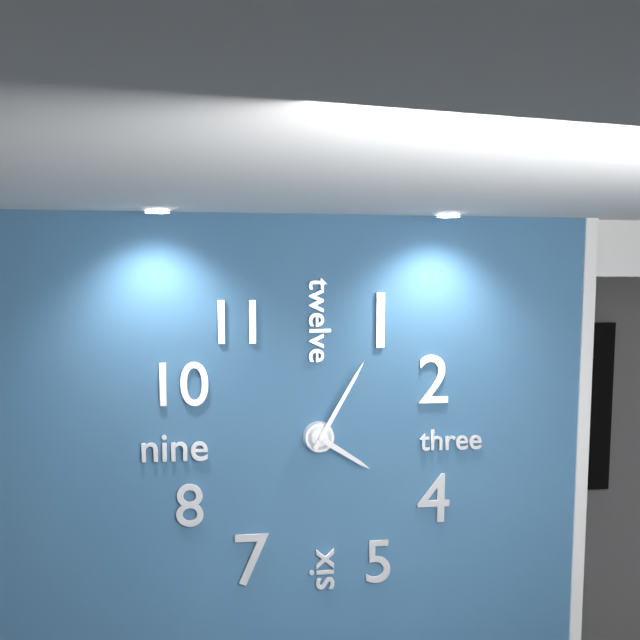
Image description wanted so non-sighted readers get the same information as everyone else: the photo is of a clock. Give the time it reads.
4:05
